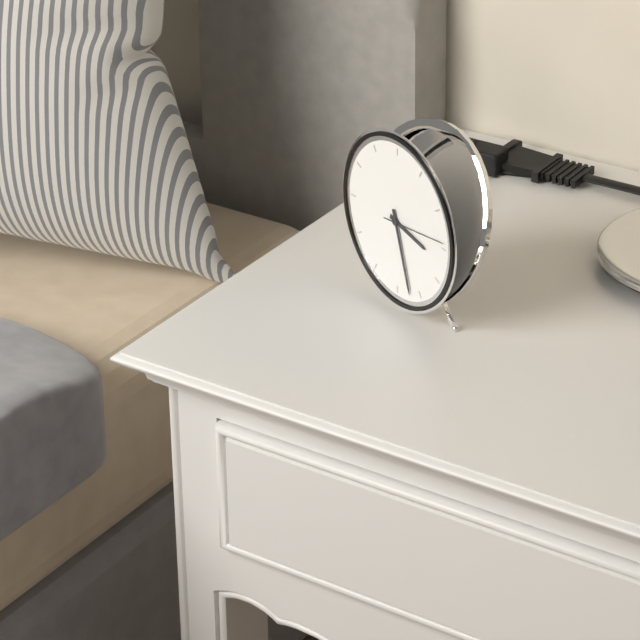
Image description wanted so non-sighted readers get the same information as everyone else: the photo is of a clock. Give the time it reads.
3:27:14
